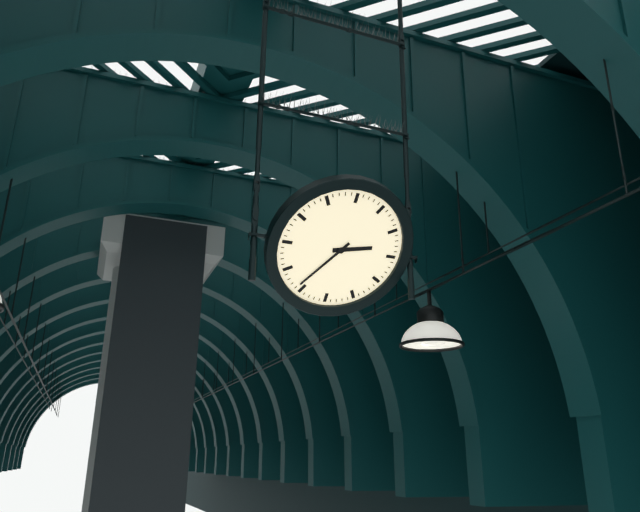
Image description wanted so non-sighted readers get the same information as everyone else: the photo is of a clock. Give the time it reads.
2:36
